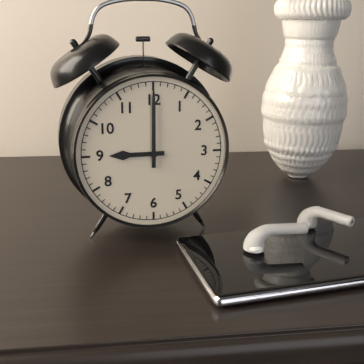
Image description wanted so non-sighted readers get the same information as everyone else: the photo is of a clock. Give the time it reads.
9:00
